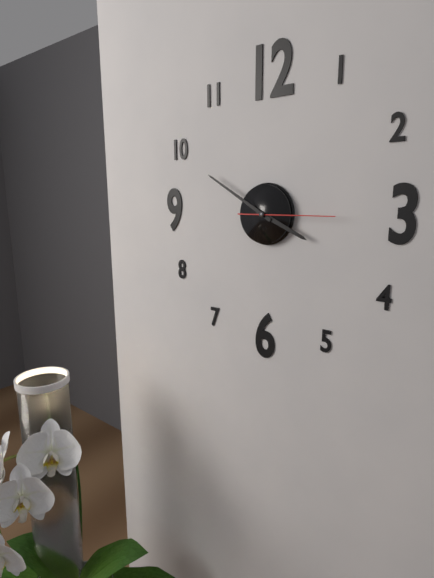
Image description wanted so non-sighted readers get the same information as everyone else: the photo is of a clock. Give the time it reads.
3:50:15
